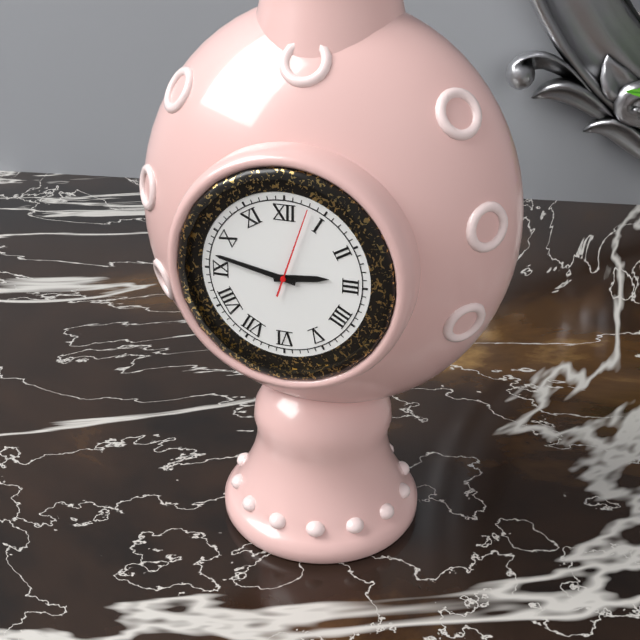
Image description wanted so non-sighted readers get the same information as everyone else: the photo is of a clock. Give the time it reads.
2:47:03
